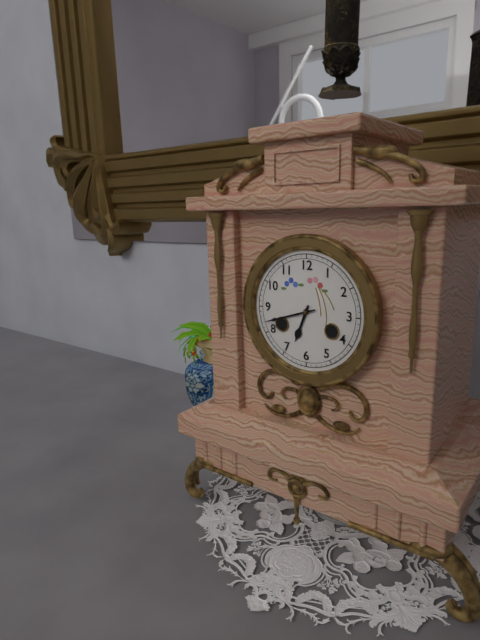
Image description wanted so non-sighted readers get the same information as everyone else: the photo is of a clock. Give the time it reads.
6:42
